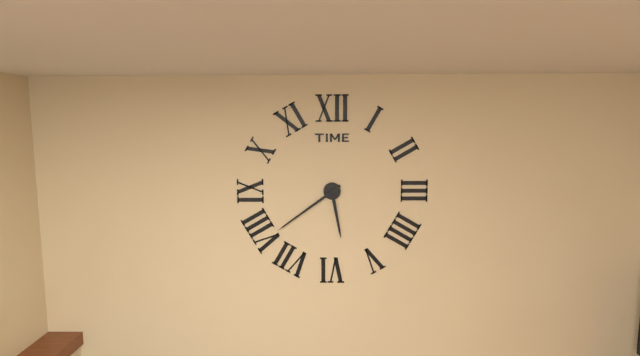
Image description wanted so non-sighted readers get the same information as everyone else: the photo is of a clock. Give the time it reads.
5:39
